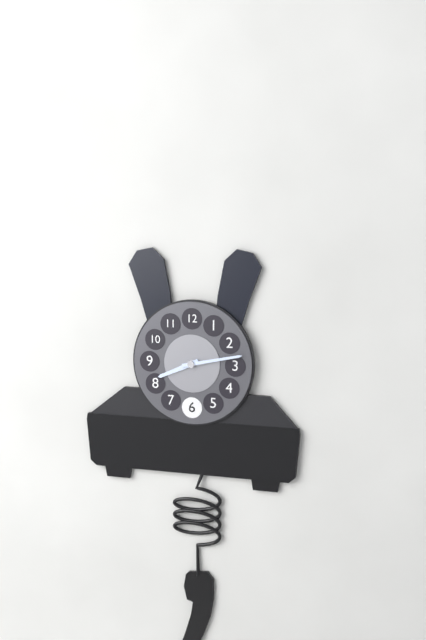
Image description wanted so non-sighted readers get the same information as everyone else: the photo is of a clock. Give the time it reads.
8:13
